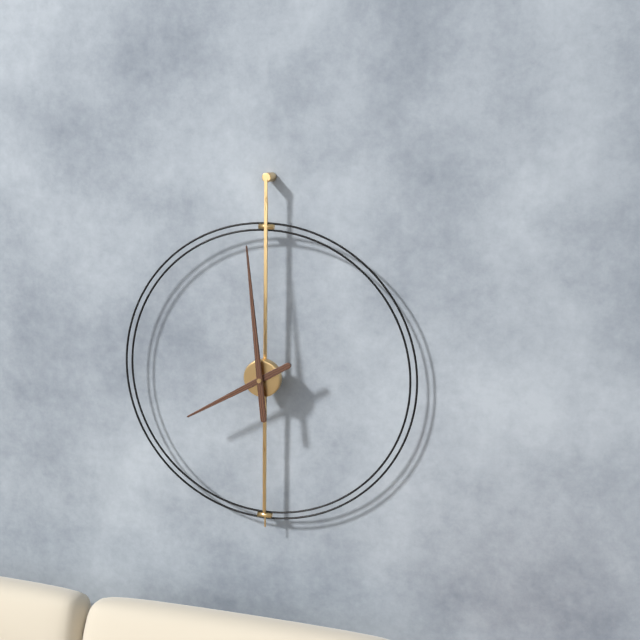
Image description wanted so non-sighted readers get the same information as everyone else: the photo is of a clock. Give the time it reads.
7:59
